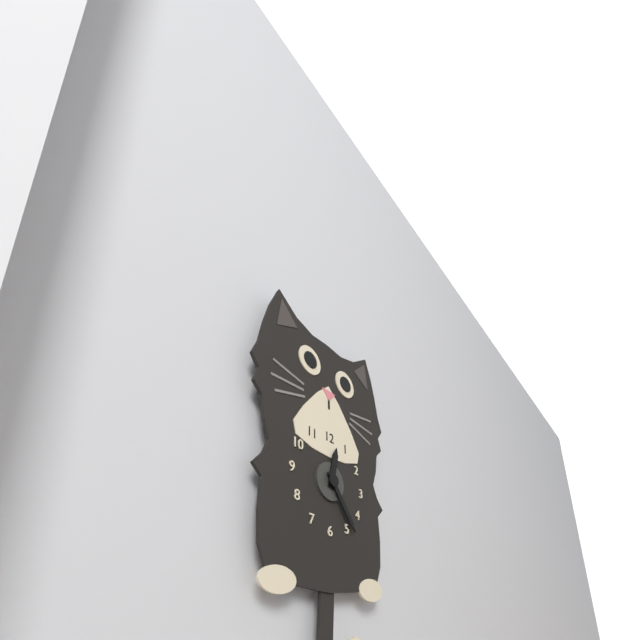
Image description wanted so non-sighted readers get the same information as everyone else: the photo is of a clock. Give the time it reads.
12:24
